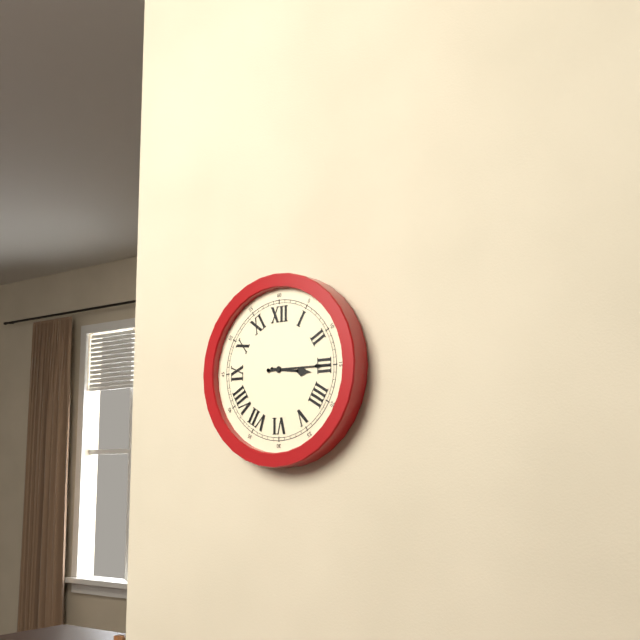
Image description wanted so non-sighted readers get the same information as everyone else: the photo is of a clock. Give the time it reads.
3:15
